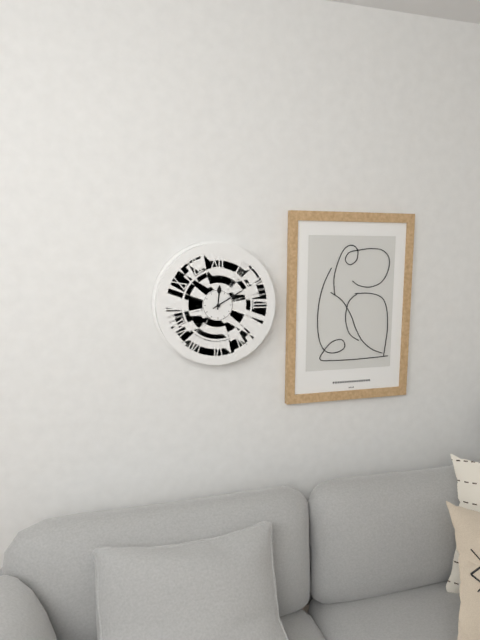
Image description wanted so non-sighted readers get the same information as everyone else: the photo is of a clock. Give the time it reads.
12:10
